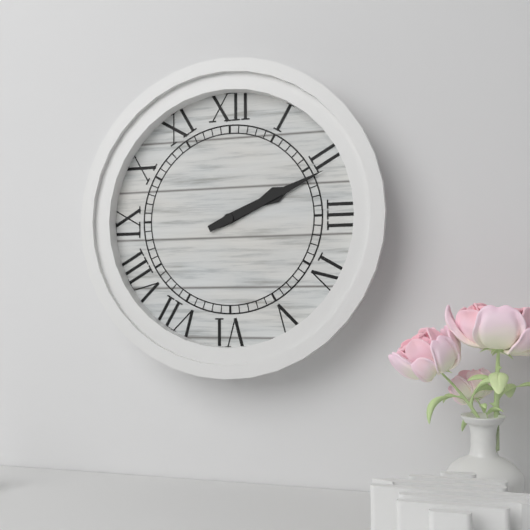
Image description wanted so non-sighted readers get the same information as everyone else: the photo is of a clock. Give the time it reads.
2:11
